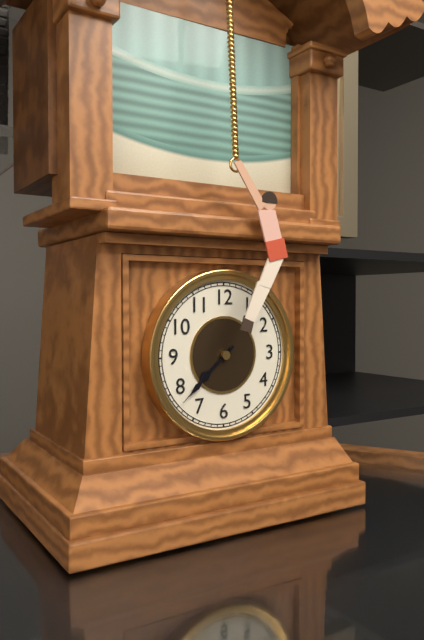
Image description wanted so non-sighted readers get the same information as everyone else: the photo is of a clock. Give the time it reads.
7:38
